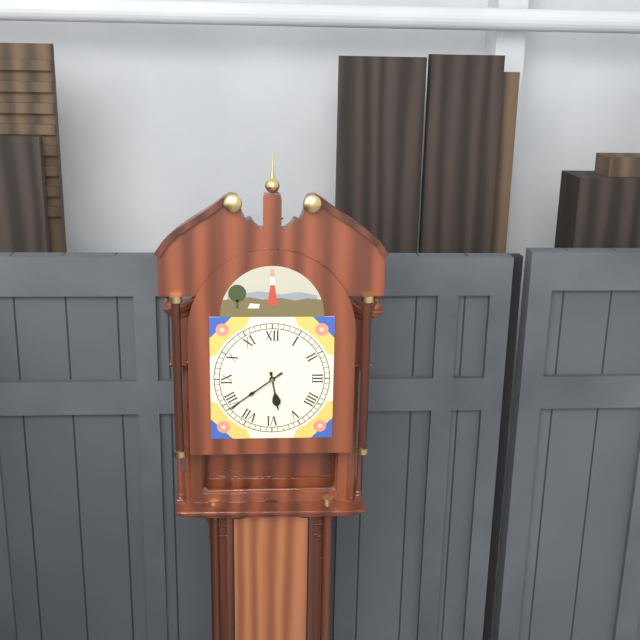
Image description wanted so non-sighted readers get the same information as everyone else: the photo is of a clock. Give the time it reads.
5:39
